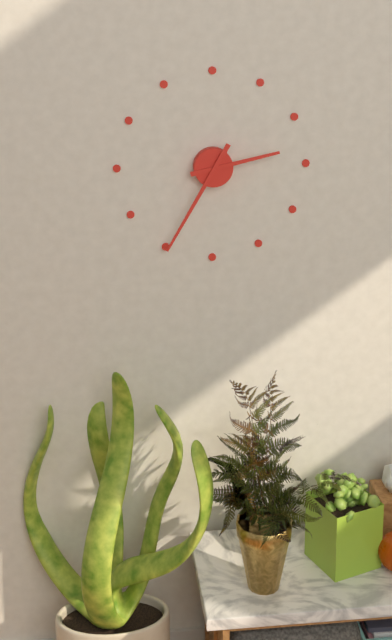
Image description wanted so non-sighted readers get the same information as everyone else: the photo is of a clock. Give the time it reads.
2:35
